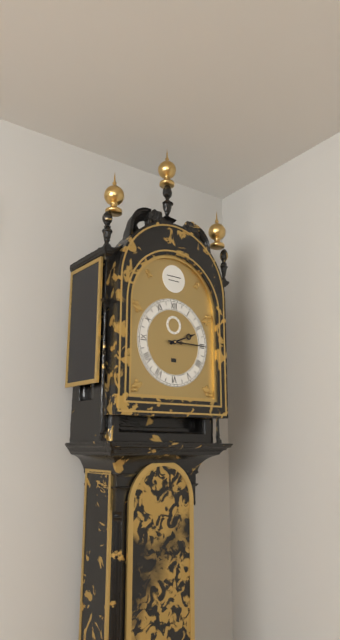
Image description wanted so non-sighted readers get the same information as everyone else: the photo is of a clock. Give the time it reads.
2:15
